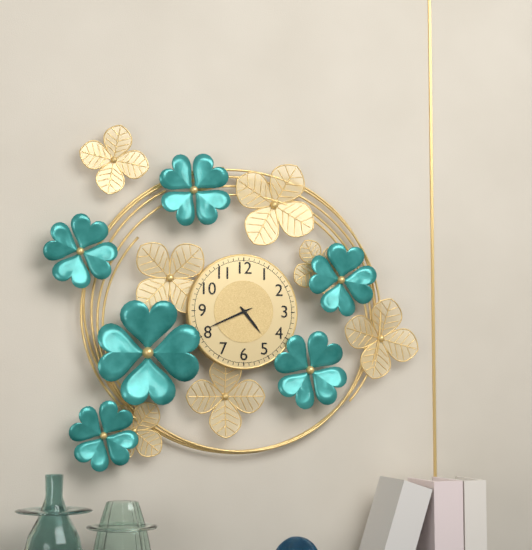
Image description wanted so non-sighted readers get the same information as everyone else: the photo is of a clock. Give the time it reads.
4:41
